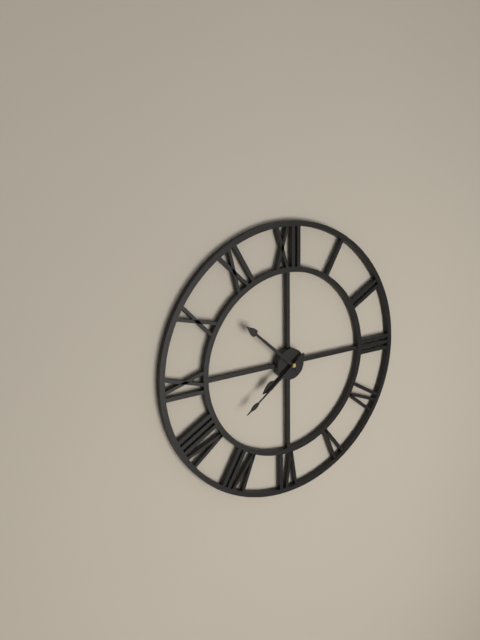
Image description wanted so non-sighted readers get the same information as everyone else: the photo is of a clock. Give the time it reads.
7:52:39
